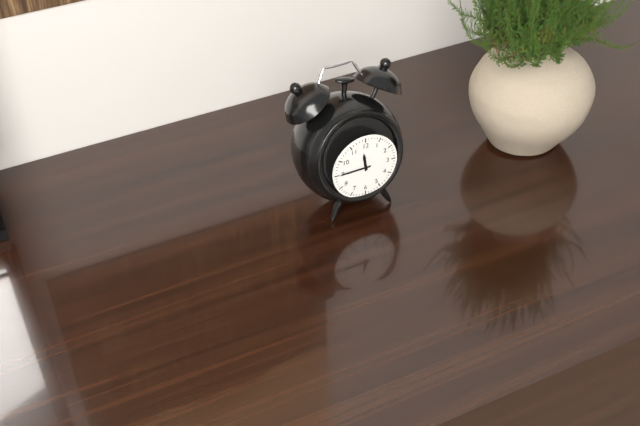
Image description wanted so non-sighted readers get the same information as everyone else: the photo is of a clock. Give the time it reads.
11:45
